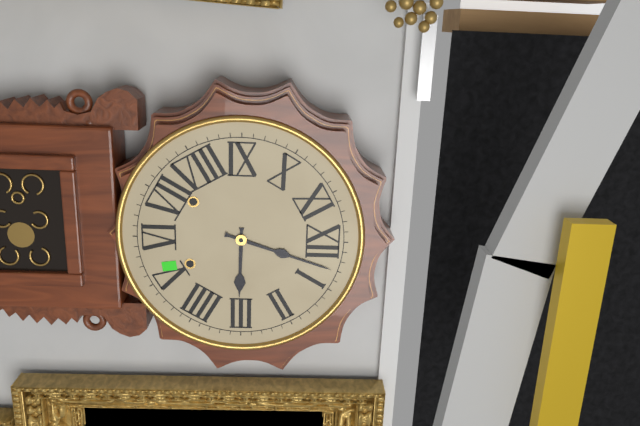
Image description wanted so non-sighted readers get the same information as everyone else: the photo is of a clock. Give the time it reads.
3:03
